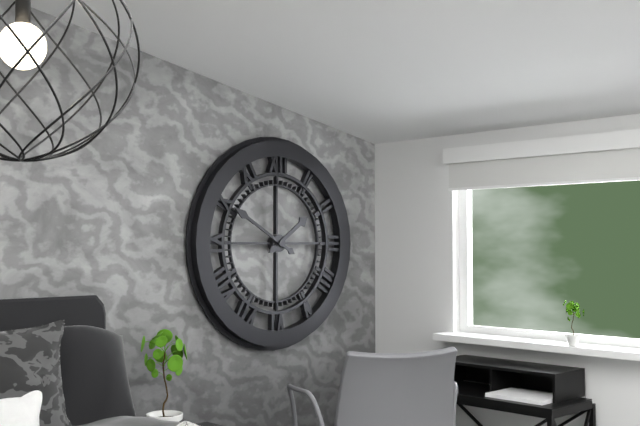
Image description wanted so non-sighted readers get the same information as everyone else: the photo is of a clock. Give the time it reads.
1:50
